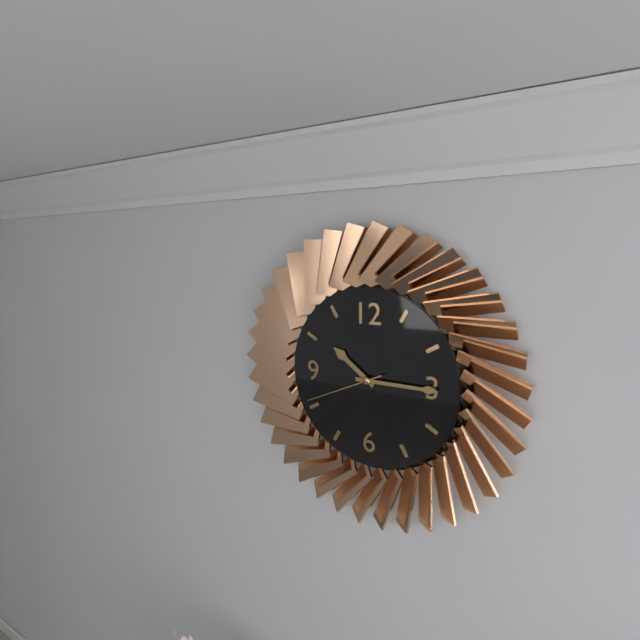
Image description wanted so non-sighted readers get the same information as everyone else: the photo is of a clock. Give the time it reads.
10:15:41
